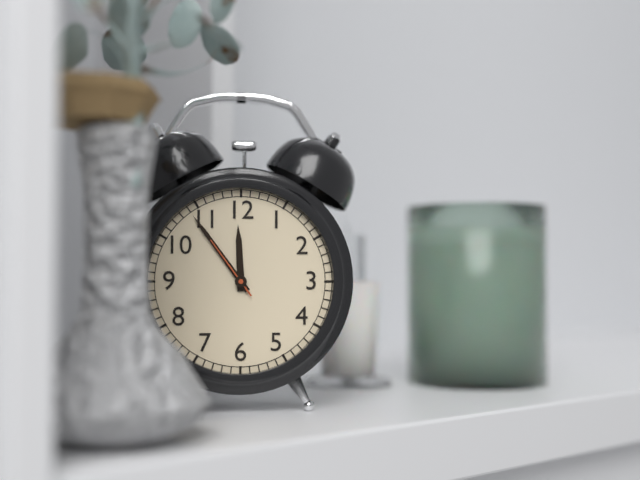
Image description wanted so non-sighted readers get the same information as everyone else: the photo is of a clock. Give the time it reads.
11:54:54
